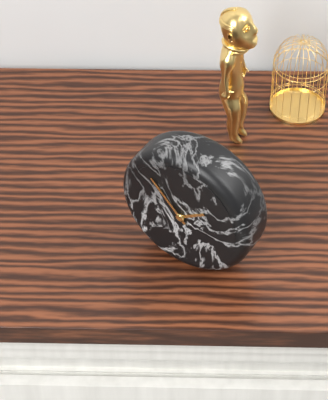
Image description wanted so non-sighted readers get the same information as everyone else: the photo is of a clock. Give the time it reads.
1:53
